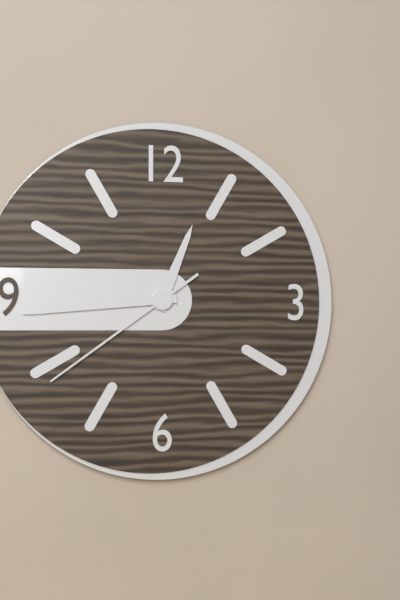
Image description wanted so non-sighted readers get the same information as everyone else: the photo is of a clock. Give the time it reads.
12:44:39
